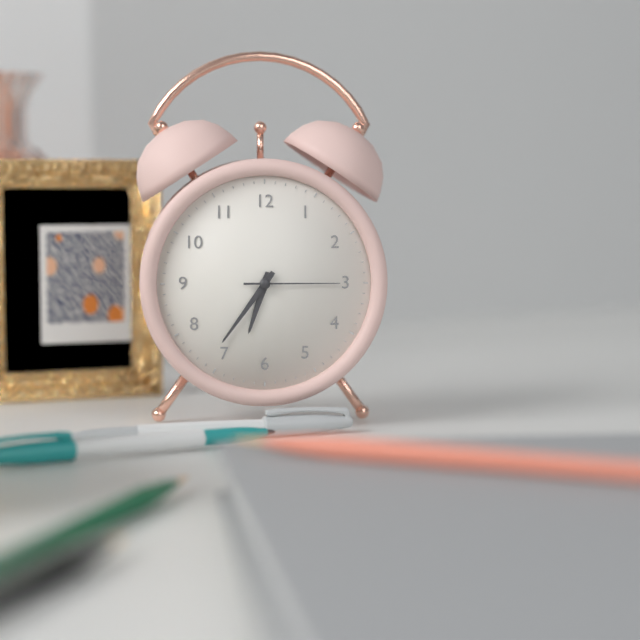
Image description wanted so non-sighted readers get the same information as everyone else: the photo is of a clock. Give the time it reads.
6:36:15
